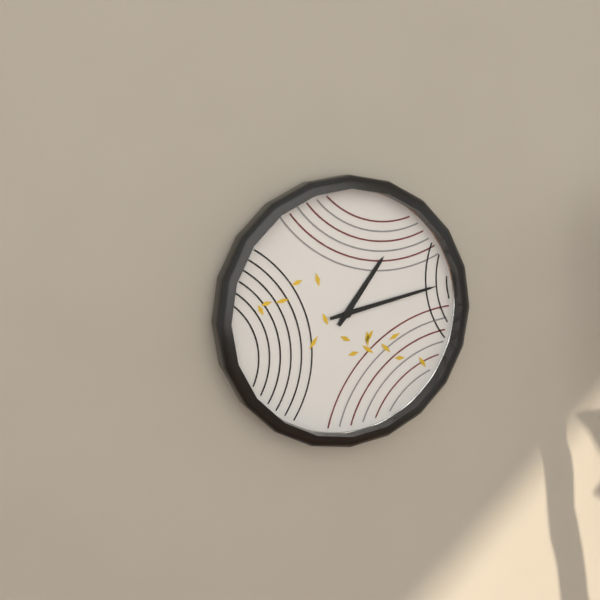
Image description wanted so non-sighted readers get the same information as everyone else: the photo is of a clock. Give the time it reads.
1:13
